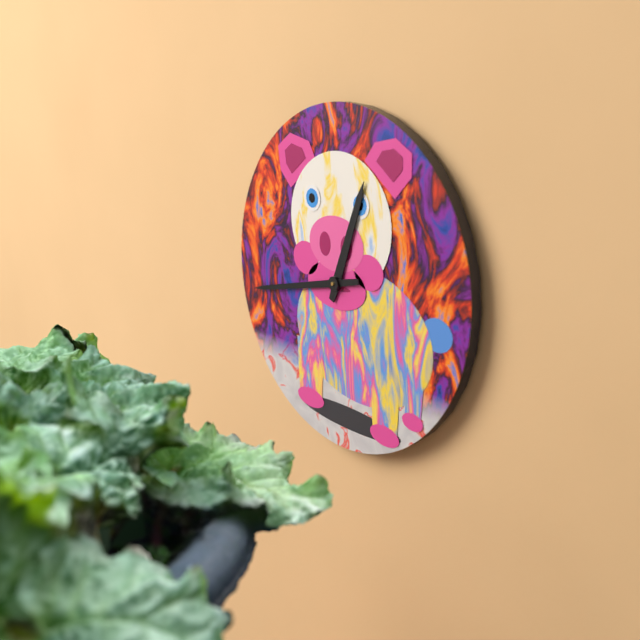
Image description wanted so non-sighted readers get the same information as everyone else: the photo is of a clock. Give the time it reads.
12:43
